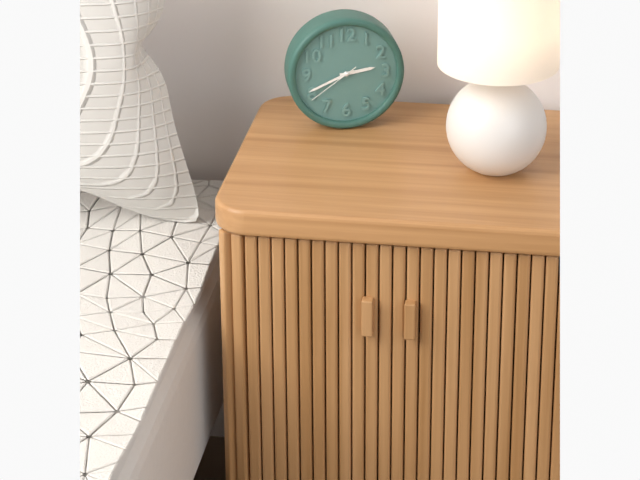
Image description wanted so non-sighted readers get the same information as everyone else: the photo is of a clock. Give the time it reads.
2:41:39
